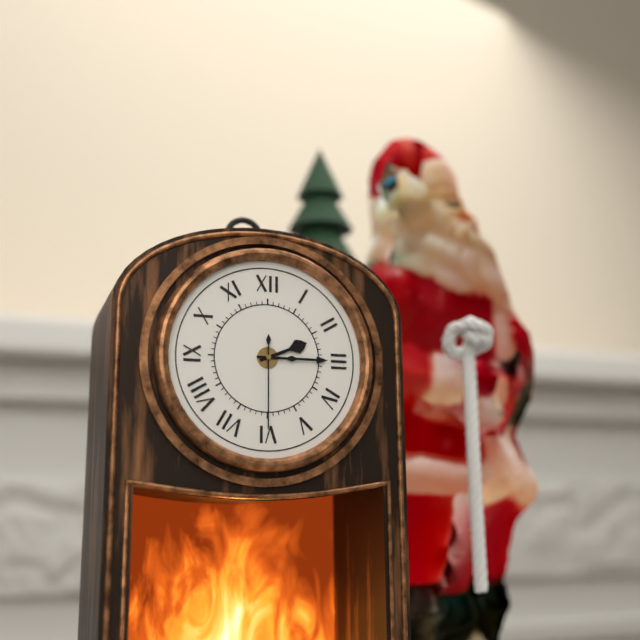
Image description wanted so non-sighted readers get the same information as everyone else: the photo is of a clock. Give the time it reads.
2:15:30
